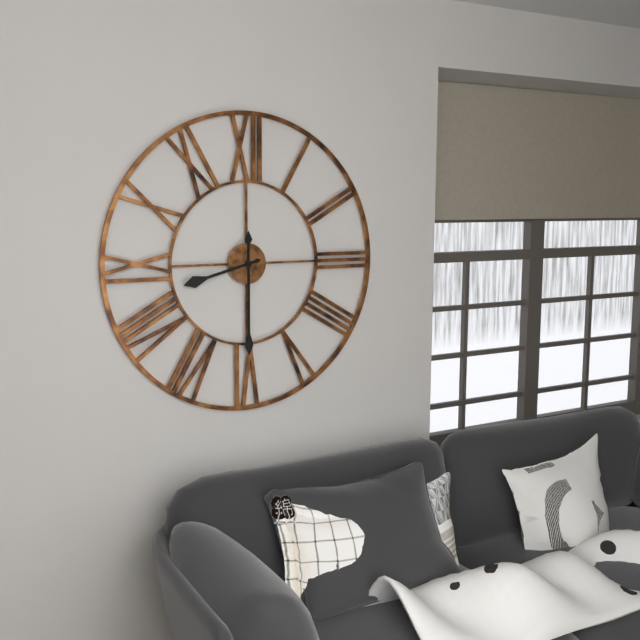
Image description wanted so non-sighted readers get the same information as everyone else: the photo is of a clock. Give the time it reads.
8:30
